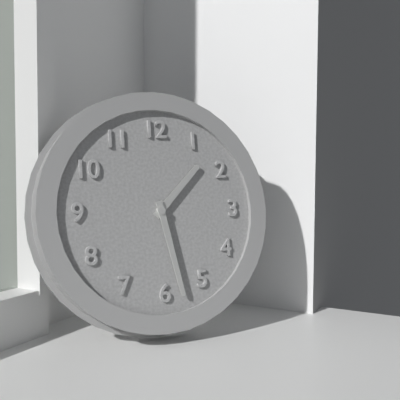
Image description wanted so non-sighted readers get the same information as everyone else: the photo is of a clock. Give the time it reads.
1:28
